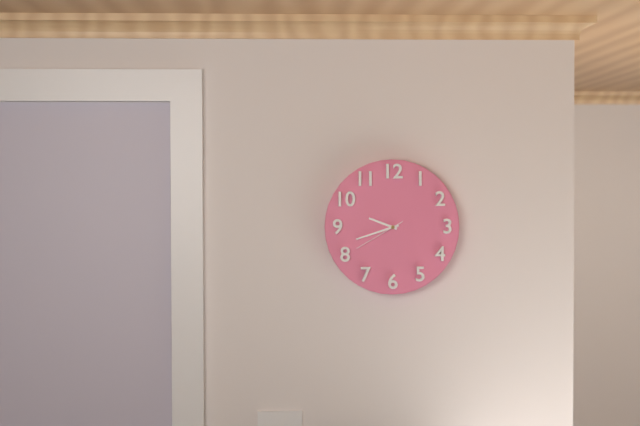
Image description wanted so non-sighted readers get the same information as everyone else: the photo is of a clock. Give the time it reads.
9:42:40
